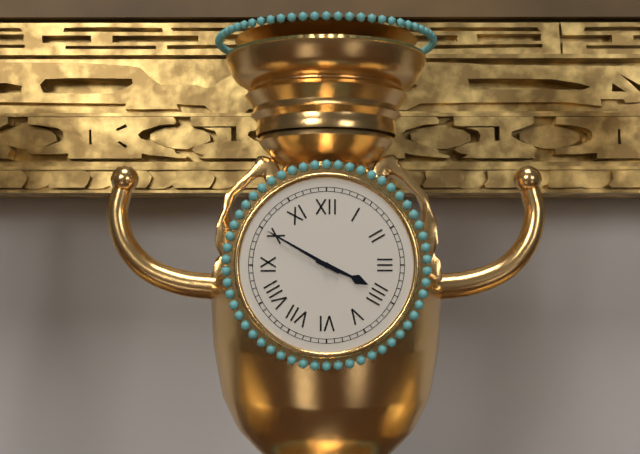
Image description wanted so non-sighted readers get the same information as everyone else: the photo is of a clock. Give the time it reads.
3:50
